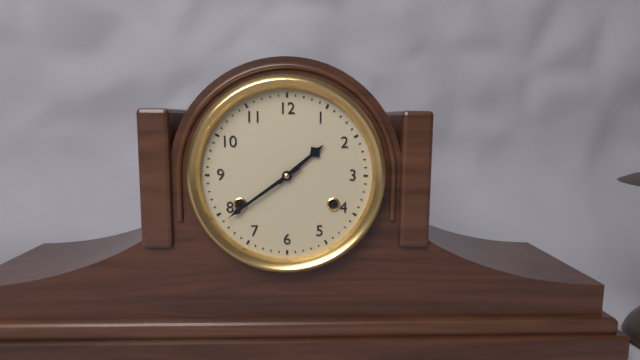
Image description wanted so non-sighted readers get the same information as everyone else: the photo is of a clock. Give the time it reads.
1:39
